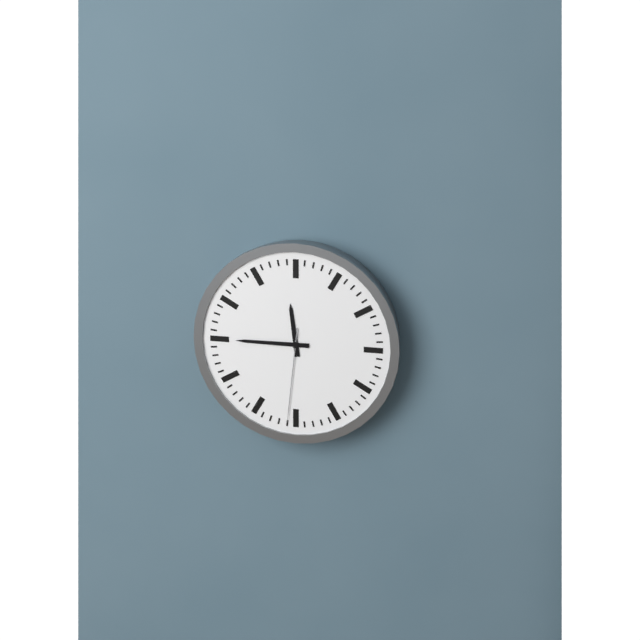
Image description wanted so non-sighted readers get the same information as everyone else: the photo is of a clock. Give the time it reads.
11:45:31
